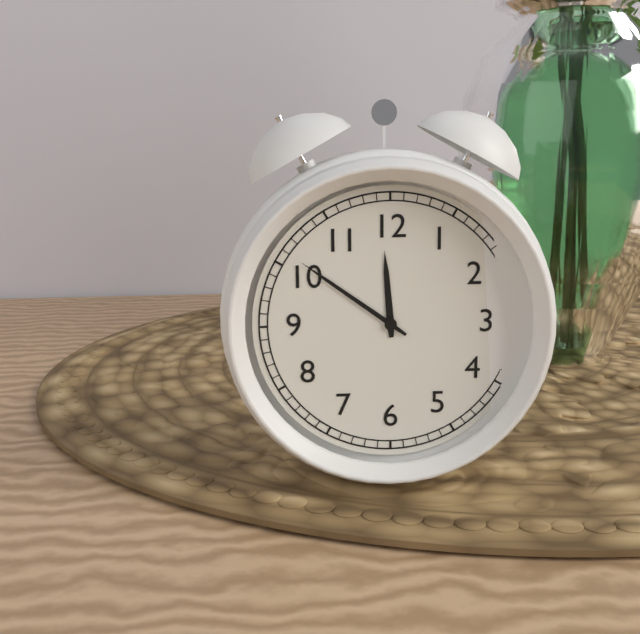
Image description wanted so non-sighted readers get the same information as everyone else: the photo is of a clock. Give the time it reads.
11:51
